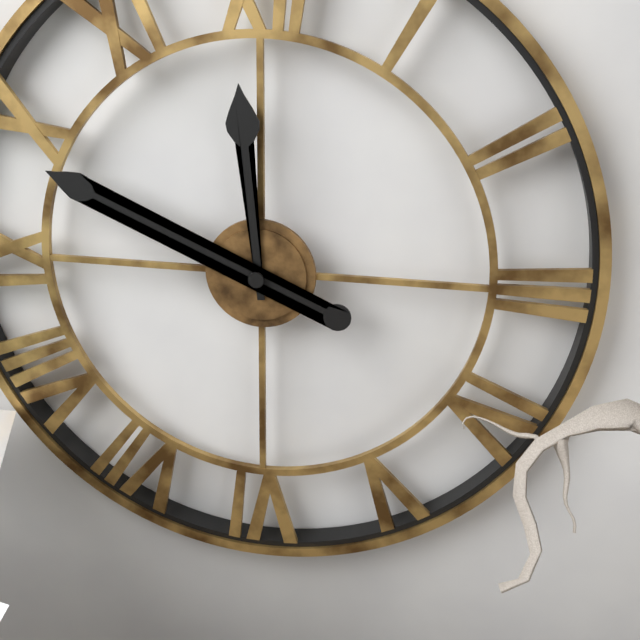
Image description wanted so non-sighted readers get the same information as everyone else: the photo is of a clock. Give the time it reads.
11:49
